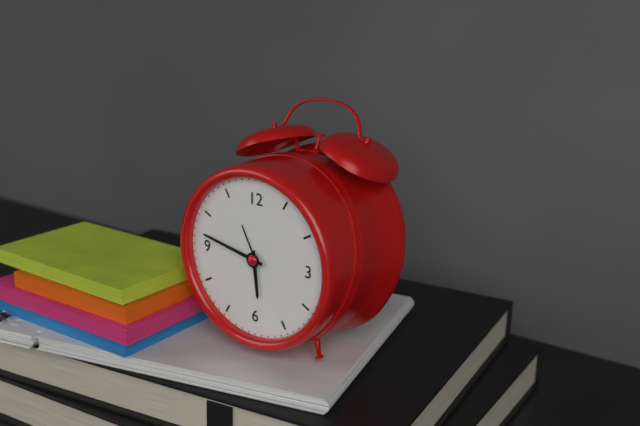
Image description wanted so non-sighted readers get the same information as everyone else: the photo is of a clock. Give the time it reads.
5:47
